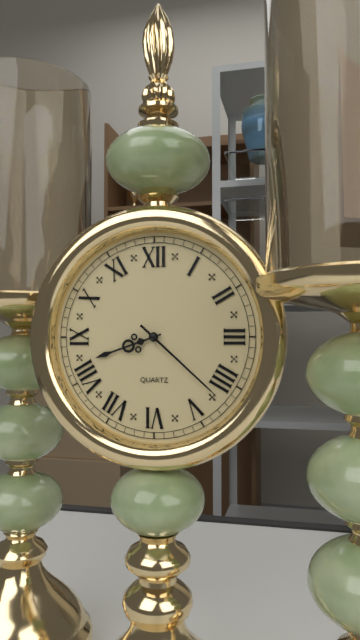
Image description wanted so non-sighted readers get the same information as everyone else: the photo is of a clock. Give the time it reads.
8:22
